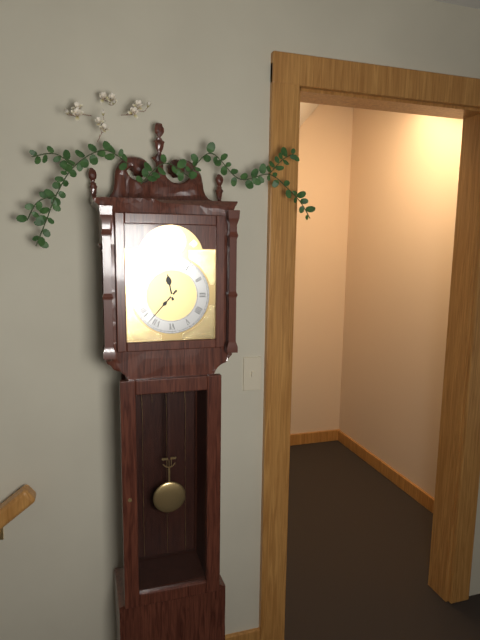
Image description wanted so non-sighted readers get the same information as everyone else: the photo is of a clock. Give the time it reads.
11:37
